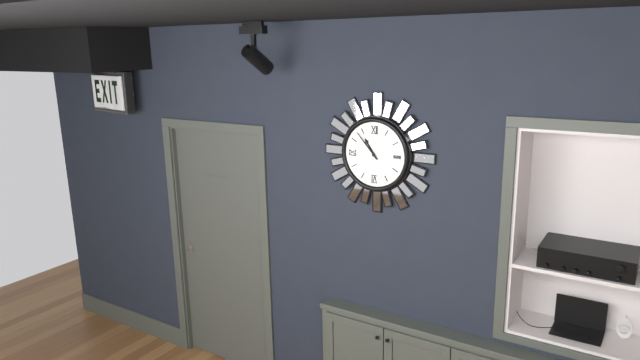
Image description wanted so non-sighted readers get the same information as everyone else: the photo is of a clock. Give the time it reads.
10:53
